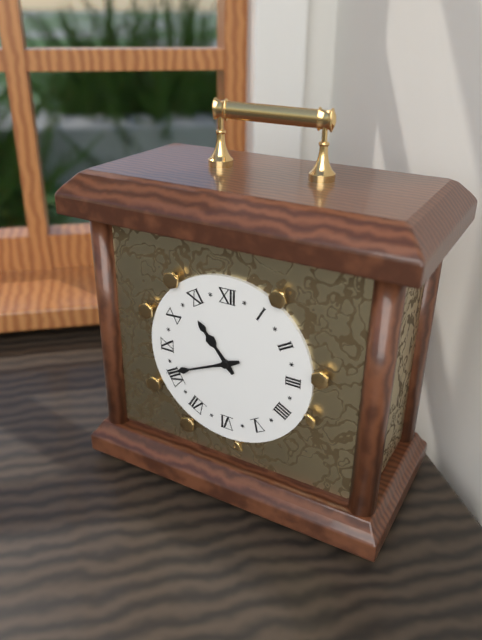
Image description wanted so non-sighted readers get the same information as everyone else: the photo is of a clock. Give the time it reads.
10:41
